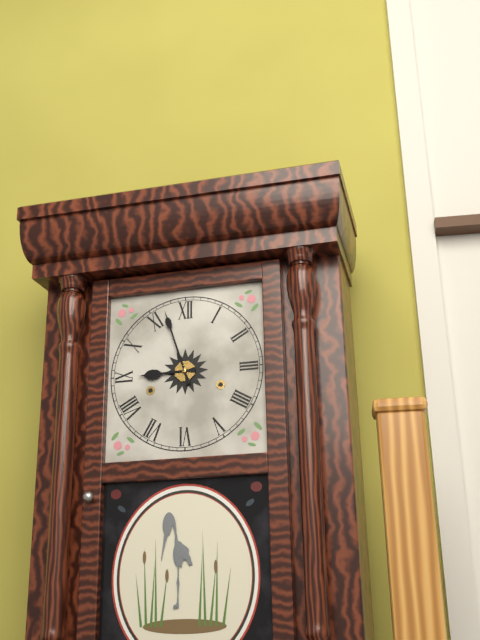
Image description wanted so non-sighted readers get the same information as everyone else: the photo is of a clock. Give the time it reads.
8:57
